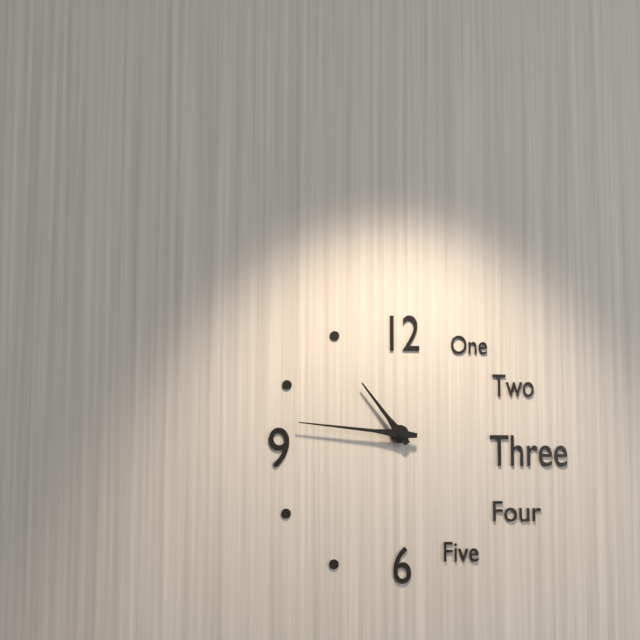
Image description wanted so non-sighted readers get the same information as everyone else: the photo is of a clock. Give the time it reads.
10:46
